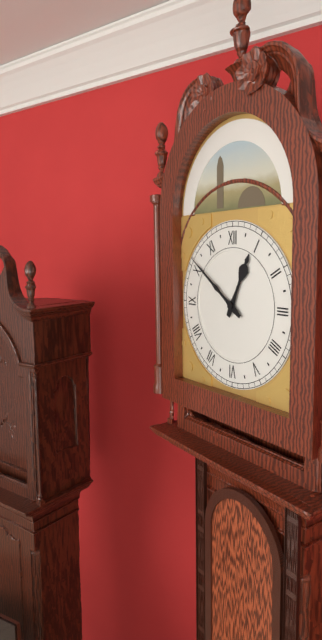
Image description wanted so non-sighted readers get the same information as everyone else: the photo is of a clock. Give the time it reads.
12:51
